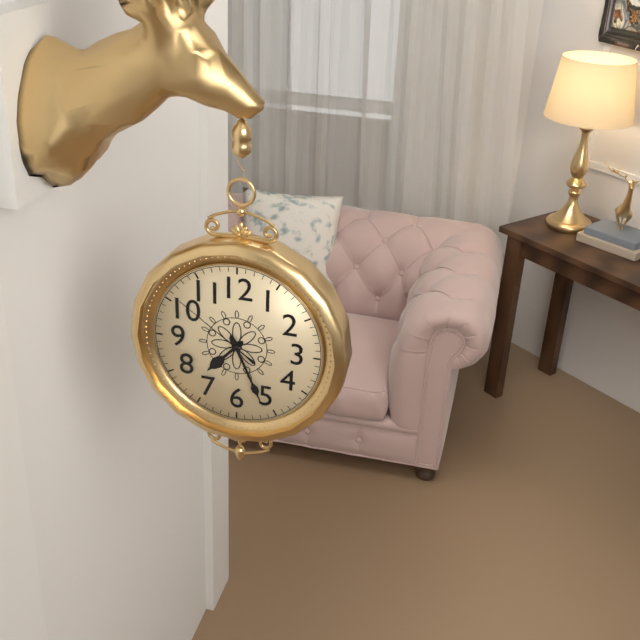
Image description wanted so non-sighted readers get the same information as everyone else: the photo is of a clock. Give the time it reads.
7:26:51
